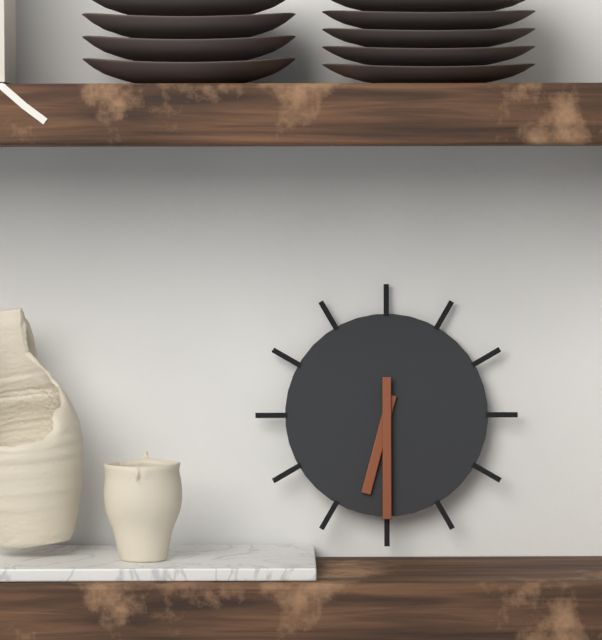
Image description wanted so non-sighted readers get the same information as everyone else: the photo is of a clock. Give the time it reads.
6:30
